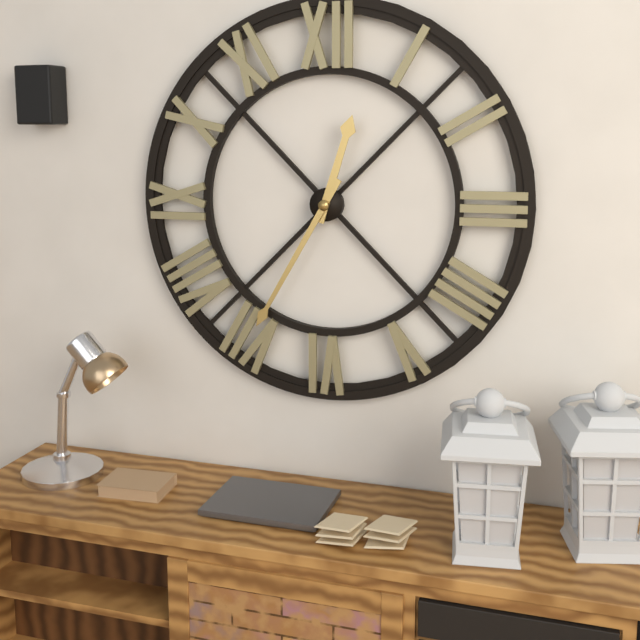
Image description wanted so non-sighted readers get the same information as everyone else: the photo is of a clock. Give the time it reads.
12:35
